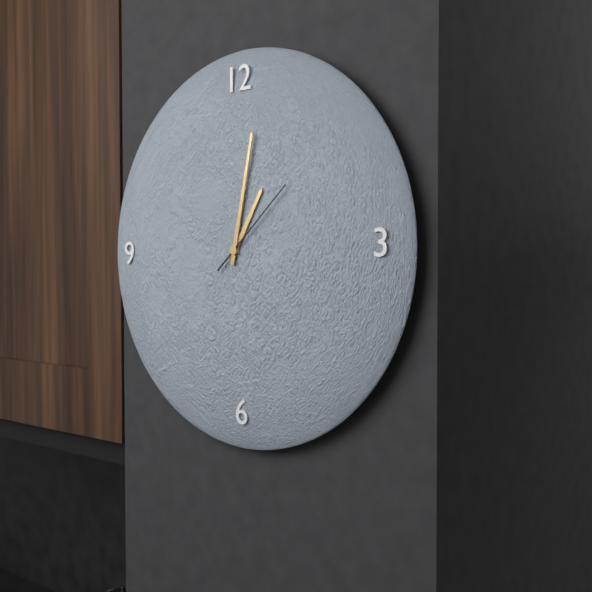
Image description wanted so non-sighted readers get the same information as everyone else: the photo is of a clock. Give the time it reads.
1:02:08
